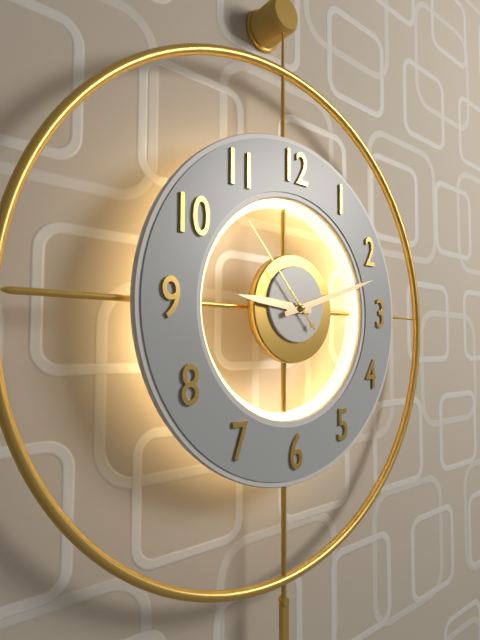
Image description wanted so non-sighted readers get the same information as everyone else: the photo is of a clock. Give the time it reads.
9:12:53
